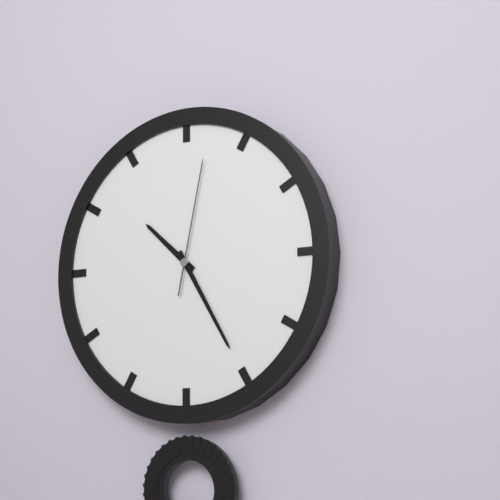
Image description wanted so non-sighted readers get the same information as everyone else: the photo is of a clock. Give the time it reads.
10:25:02
